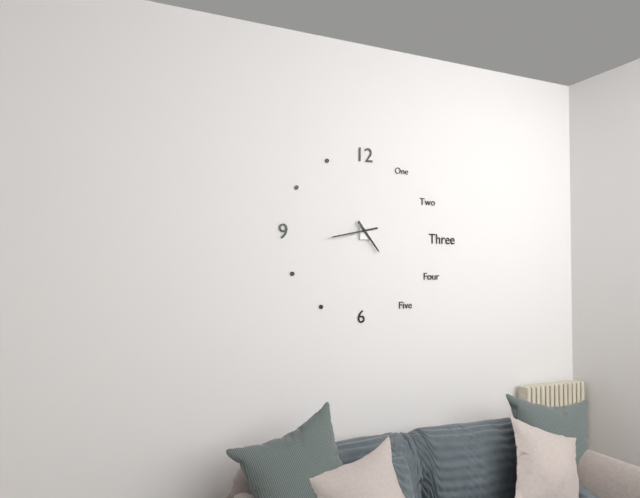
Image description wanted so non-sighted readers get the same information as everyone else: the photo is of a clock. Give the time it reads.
4:43
